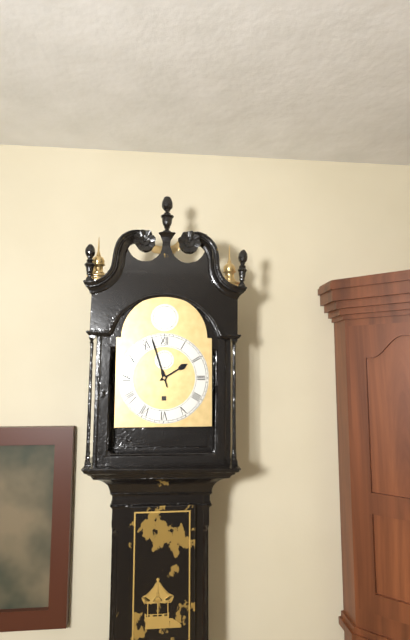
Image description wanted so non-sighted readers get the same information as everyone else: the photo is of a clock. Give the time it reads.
1:57
